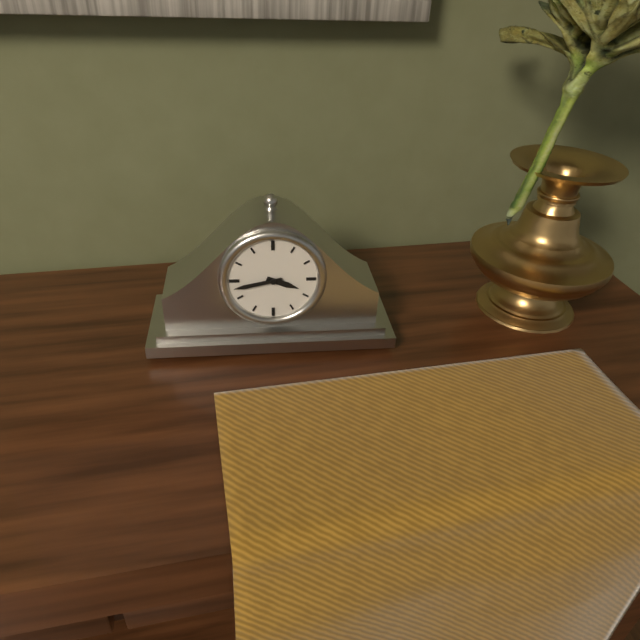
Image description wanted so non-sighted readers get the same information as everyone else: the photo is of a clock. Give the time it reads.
3:43
